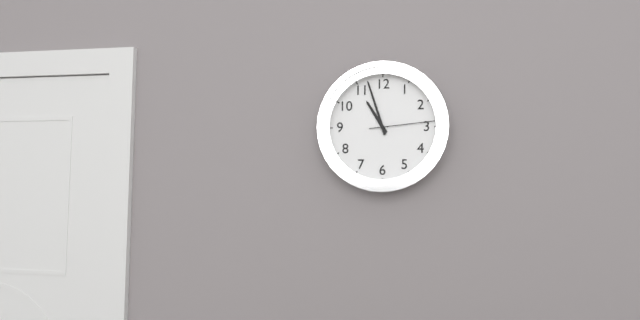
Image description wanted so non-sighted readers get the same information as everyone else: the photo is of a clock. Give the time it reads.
10:57:14
